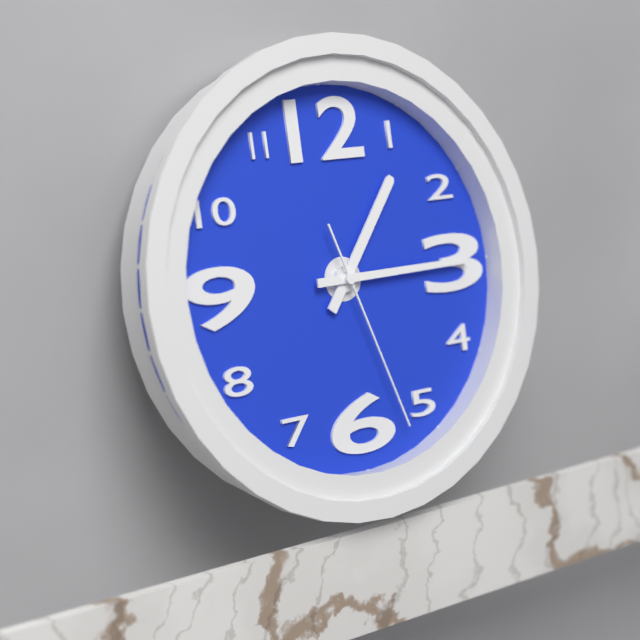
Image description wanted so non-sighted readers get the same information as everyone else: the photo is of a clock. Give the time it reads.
1:15:27
